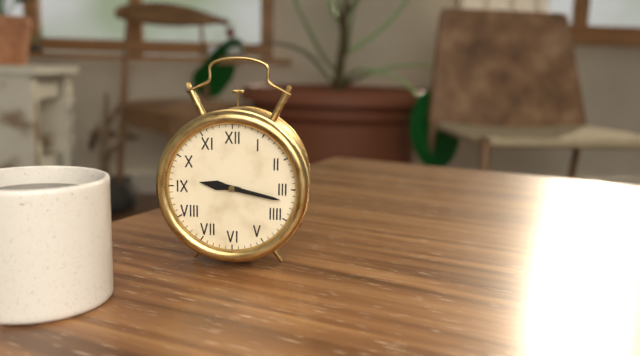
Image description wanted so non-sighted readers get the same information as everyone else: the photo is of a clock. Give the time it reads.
9:17
